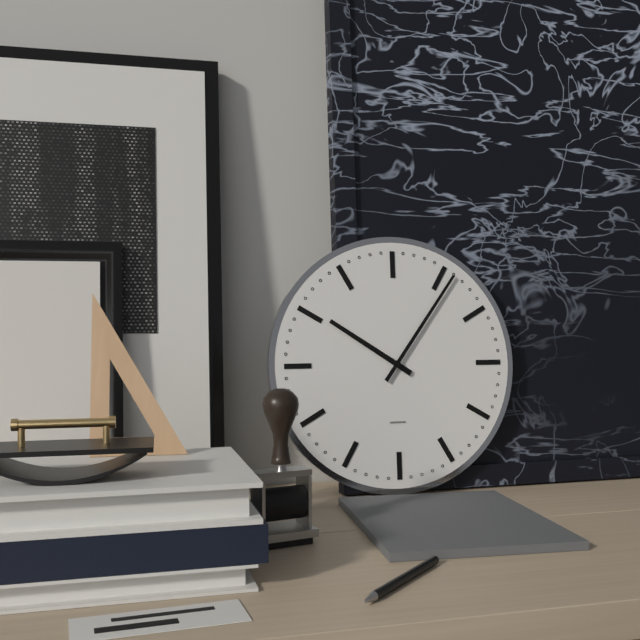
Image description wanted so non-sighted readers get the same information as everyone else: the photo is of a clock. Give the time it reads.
10:06
